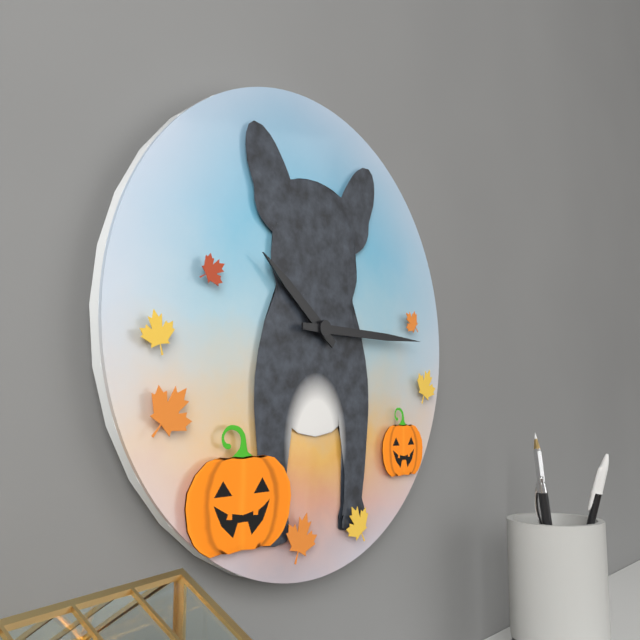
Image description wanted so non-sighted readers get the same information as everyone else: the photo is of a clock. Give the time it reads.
10:15
